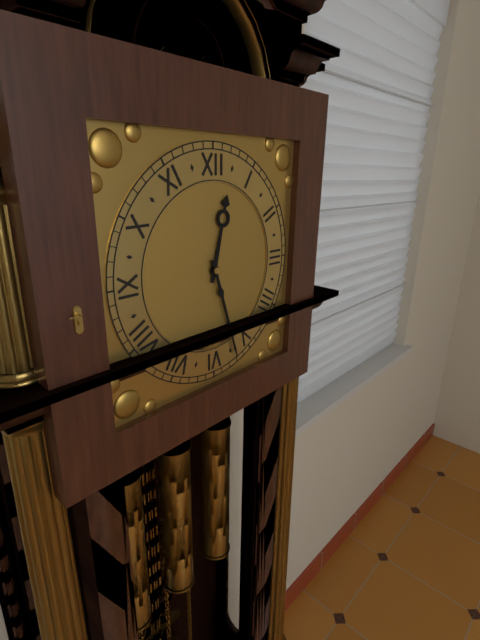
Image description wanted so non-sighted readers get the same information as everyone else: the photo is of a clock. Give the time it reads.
12:27
